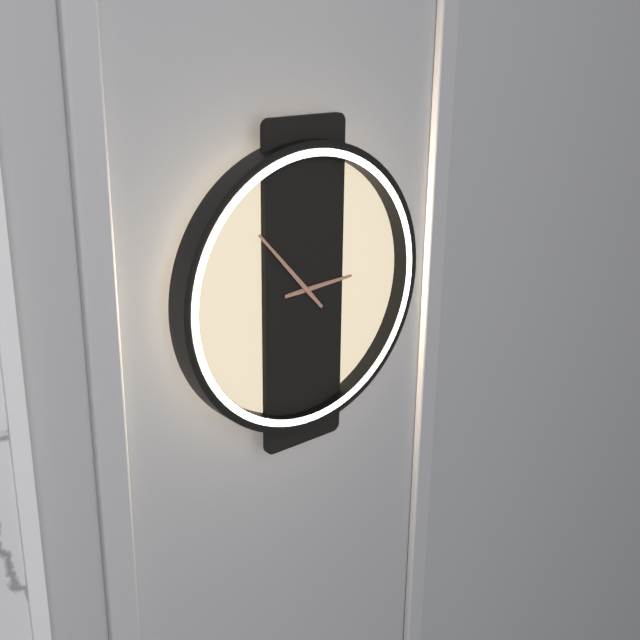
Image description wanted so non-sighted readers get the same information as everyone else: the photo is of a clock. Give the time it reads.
2:53
